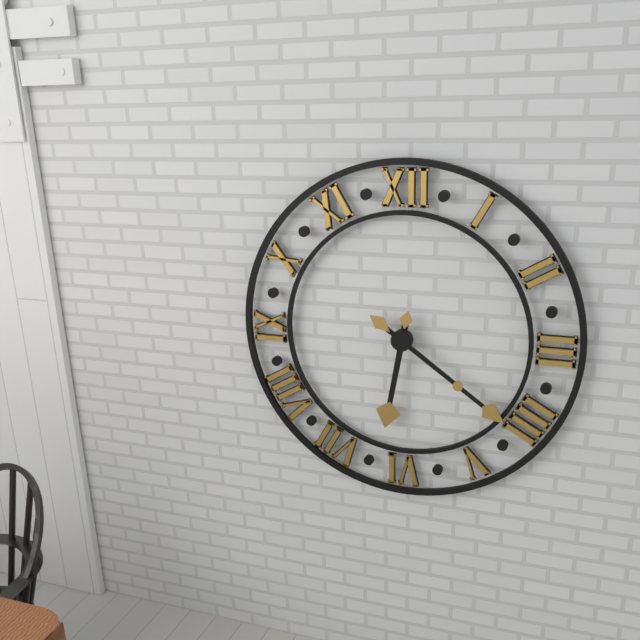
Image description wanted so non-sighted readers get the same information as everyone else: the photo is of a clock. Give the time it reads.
6:21
